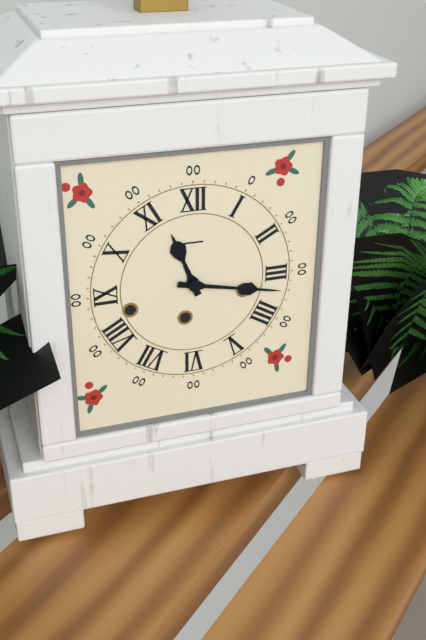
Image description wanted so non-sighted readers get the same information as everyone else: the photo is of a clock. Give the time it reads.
11:17
